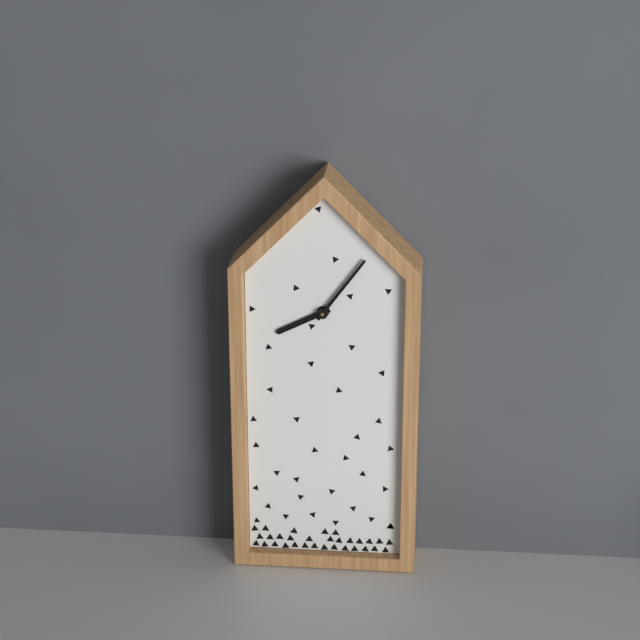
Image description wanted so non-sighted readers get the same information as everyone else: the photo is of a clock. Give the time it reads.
8:06
